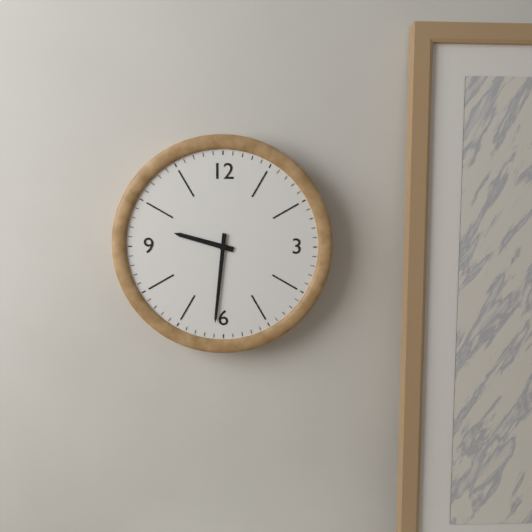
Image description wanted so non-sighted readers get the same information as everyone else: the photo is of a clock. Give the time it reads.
9:31
